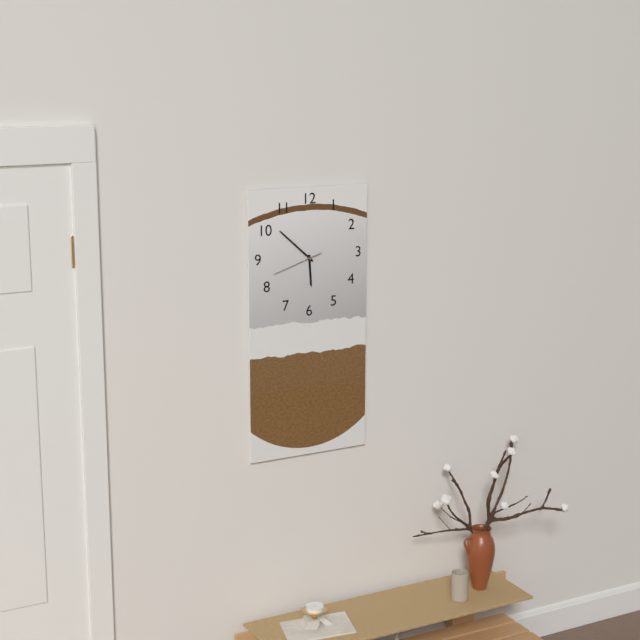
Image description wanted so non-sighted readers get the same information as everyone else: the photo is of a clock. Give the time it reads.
5:52
